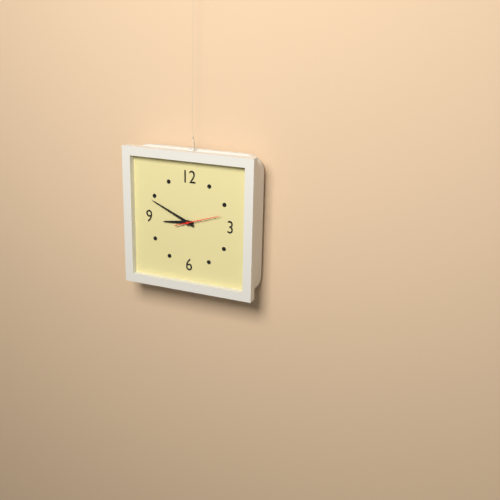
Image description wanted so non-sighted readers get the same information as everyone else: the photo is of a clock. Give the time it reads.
8:49
